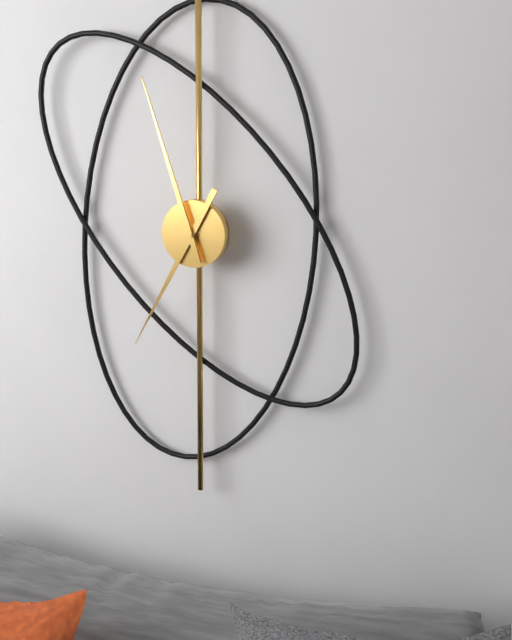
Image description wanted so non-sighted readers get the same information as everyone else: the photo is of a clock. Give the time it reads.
6:57
